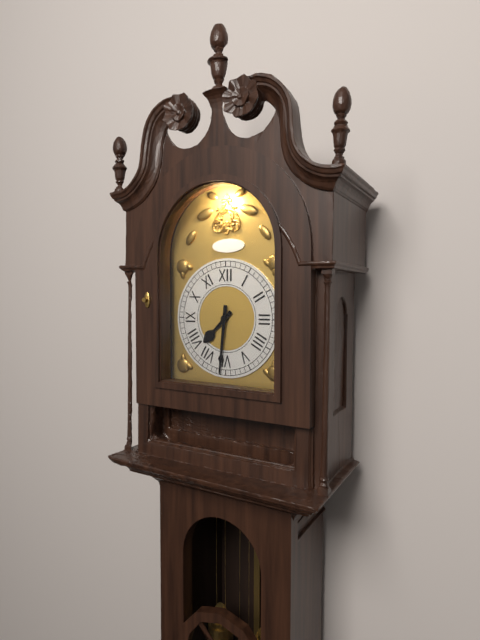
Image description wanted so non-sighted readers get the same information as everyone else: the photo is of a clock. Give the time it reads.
7:31
